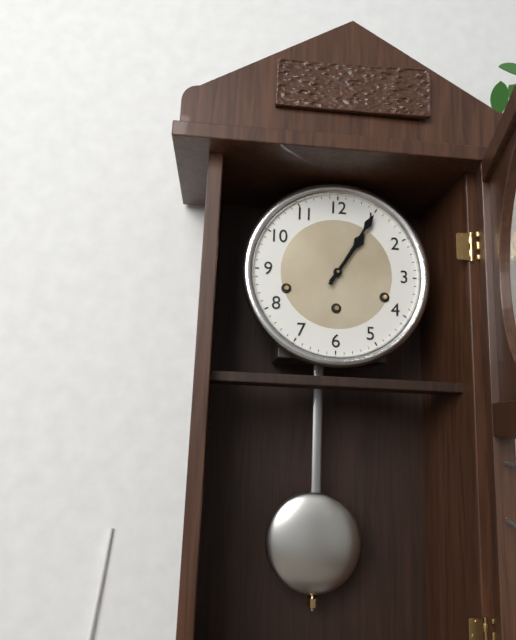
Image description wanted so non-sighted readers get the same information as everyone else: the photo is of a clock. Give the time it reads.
1:05
